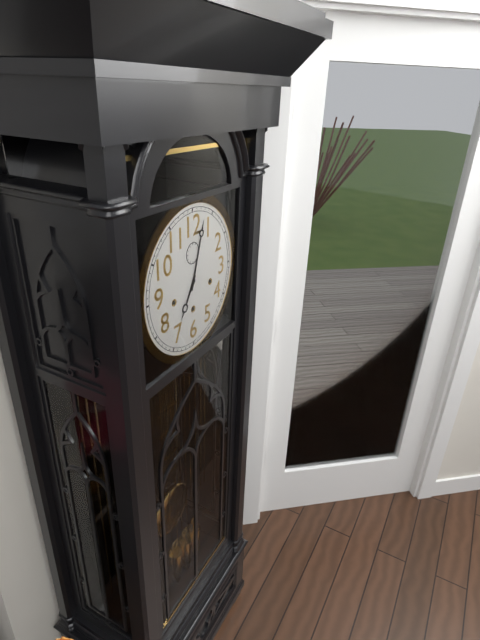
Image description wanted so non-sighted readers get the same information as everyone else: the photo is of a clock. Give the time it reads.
7:03
